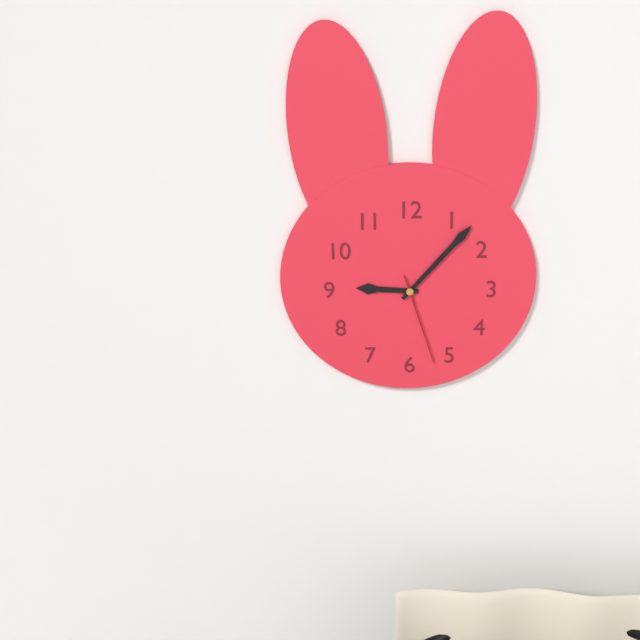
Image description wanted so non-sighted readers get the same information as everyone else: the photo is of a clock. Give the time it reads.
9:07:27
